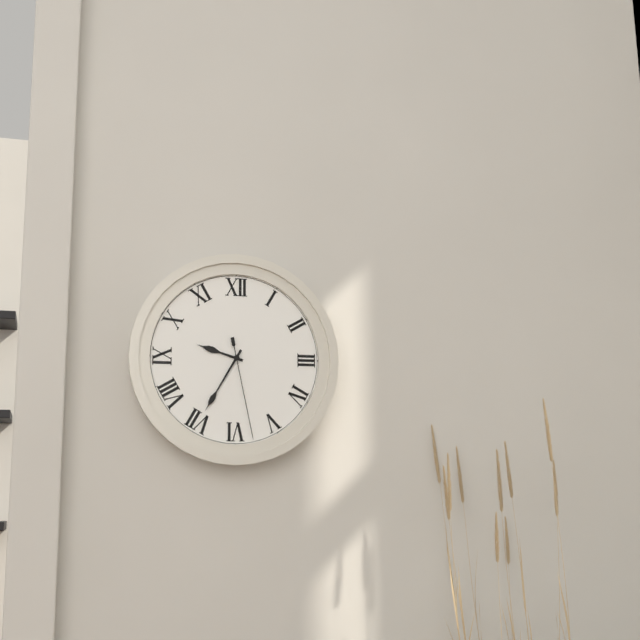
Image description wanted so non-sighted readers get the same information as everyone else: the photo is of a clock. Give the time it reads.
9:35:28
